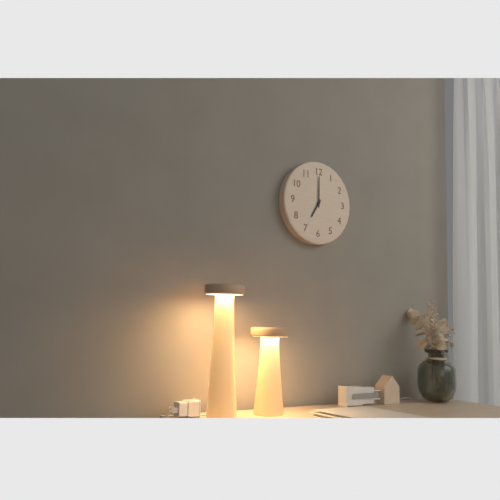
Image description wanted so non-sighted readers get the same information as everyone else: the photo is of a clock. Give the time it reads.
7:00
